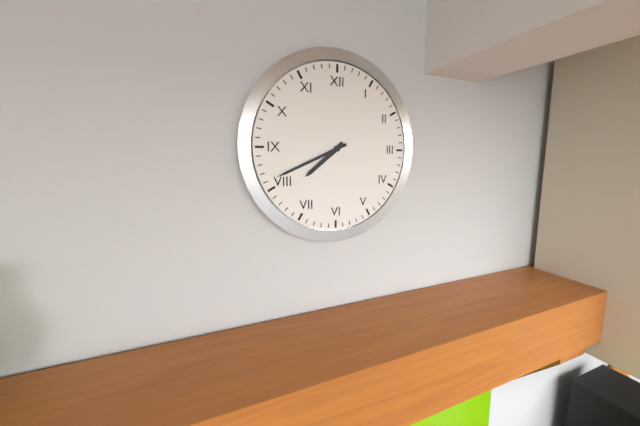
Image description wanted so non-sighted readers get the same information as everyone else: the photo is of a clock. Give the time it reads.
7:41
